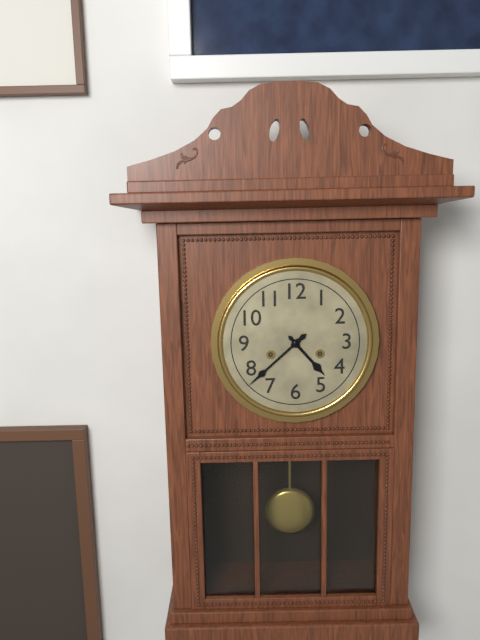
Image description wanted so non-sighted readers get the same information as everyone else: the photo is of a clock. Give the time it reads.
4:38
